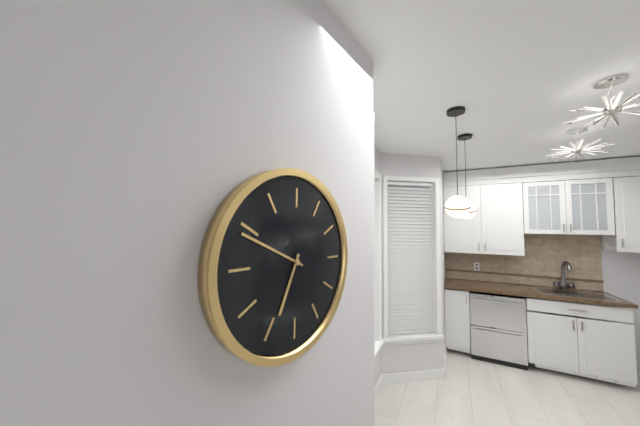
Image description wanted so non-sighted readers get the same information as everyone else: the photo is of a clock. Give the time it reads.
6:49
